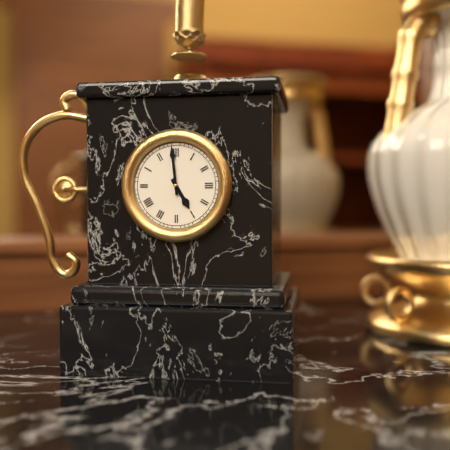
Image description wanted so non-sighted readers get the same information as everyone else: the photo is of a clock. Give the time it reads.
4:59
